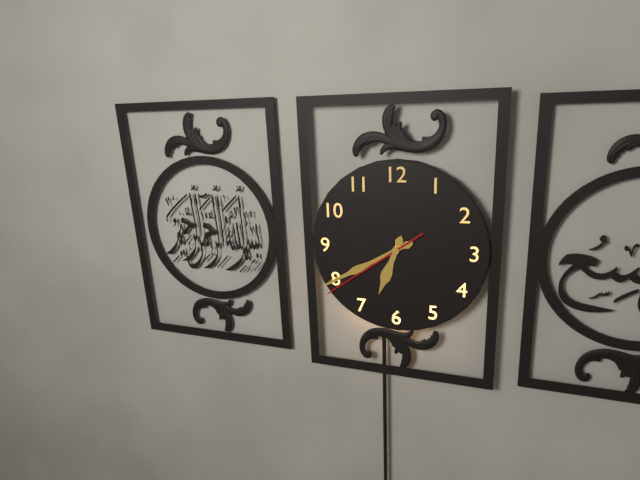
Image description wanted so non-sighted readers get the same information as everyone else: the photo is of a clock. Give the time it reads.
6:40:39
